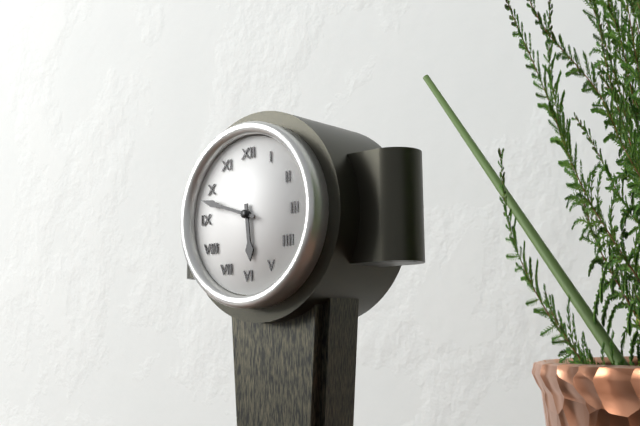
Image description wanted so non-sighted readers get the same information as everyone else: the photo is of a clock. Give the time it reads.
5:48
